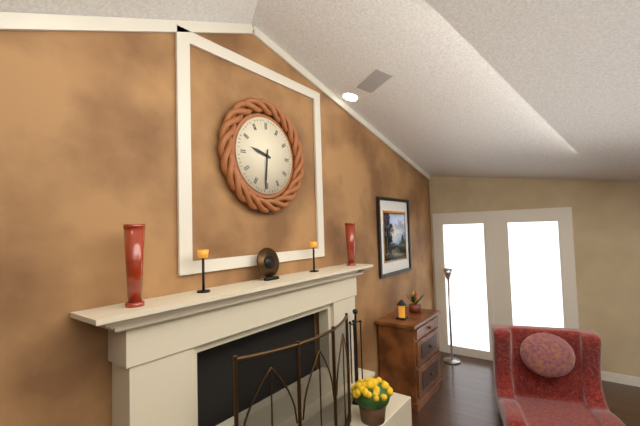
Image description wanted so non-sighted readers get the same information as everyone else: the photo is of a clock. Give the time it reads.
9:31
